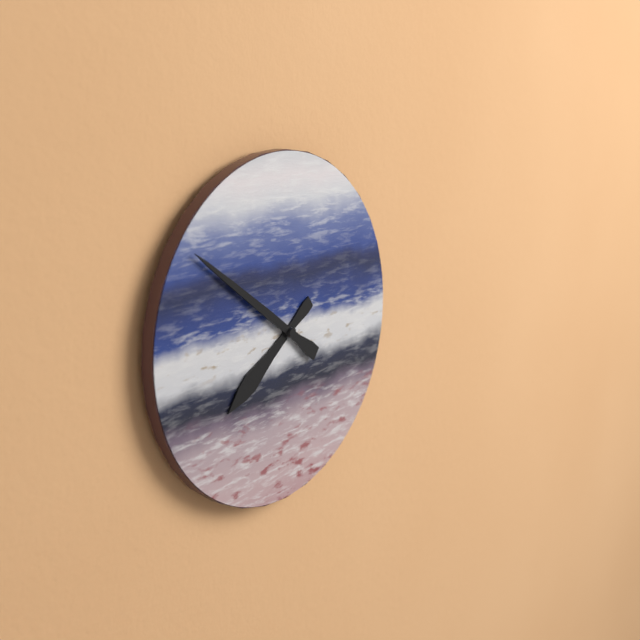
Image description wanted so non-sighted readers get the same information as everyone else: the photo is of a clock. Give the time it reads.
7:51
